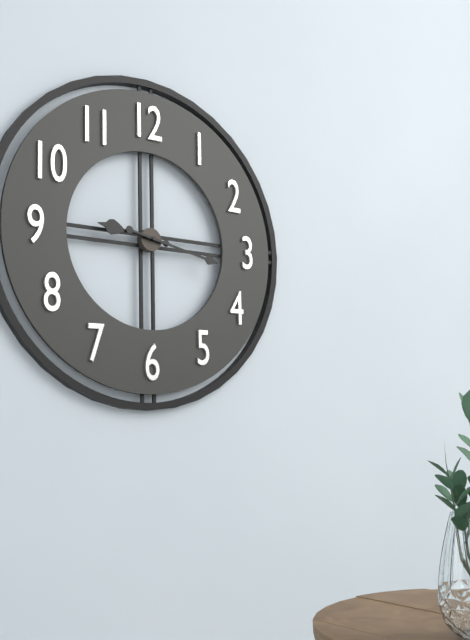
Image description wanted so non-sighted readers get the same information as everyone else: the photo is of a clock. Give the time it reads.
9:17
